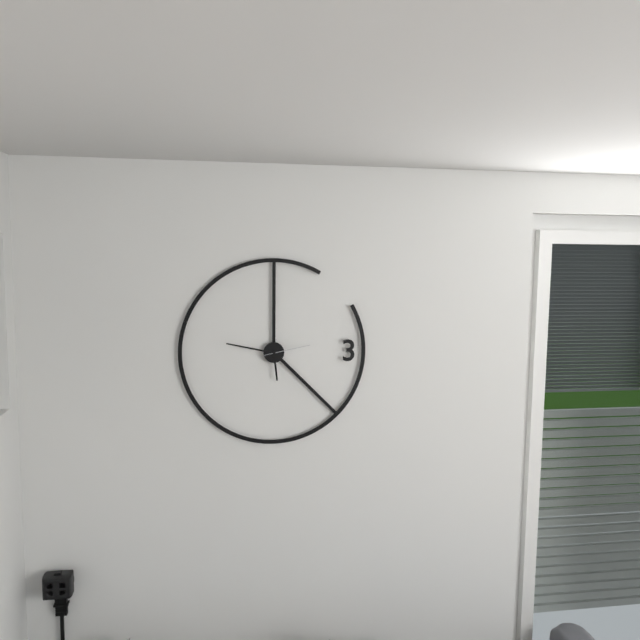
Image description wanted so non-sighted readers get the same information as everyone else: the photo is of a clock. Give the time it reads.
5:47
